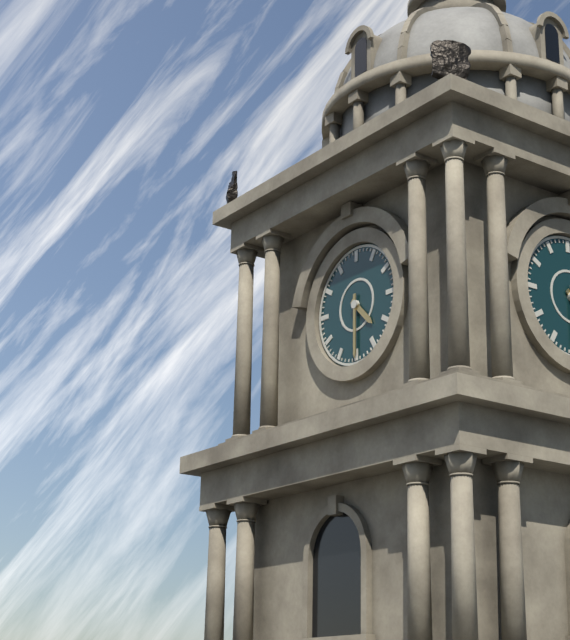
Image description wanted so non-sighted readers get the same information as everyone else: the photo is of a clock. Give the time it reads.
4:30
